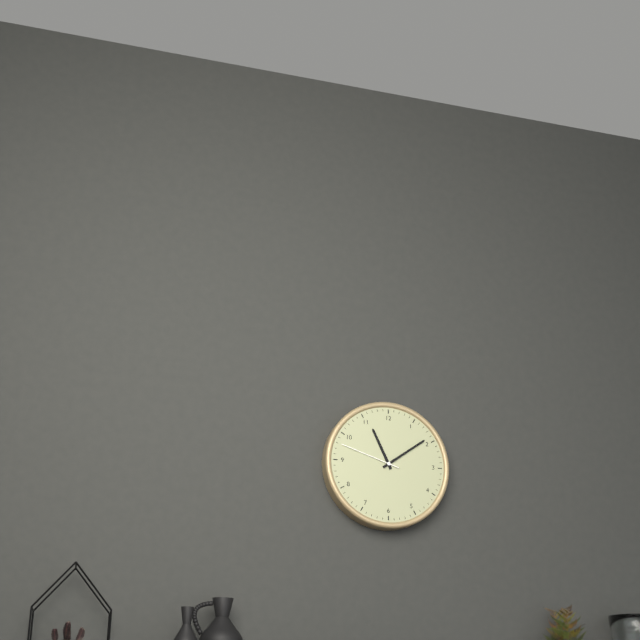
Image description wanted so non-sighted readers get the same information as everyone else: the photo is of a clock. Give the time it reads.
11:09:48
